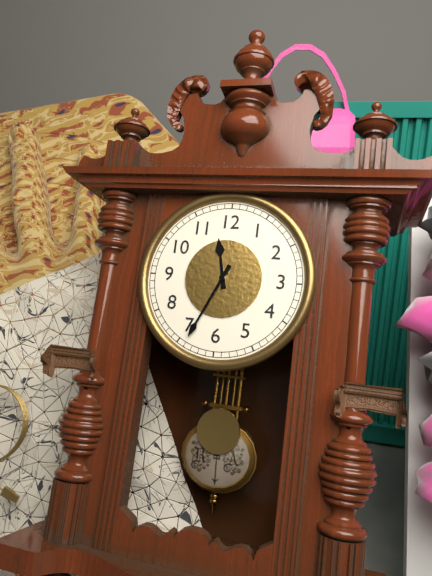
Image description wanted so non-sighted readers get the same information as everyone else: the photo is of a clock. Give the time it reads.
11:34
